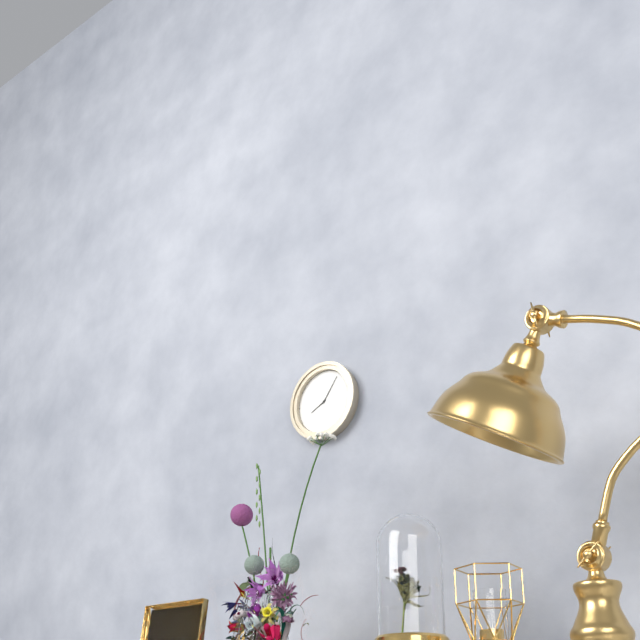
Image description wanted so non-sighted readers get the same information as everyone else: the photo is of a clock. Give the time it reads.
8:06
